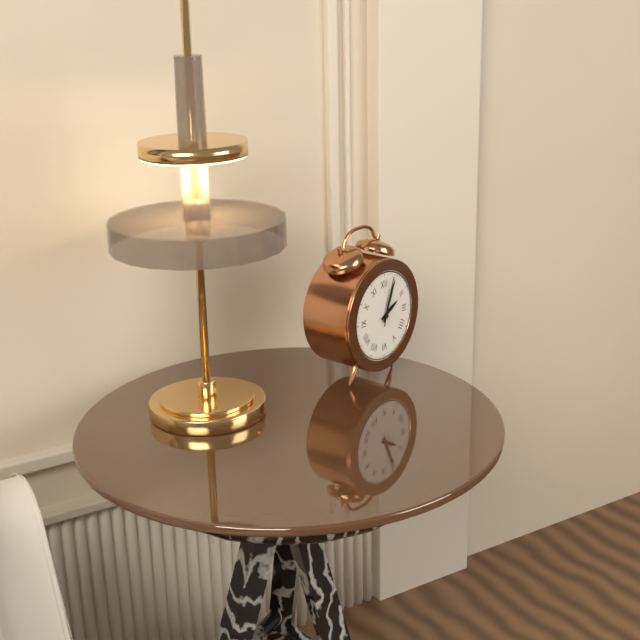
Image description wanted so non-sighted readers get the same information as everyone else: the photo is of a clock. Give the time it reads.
2:04:03
